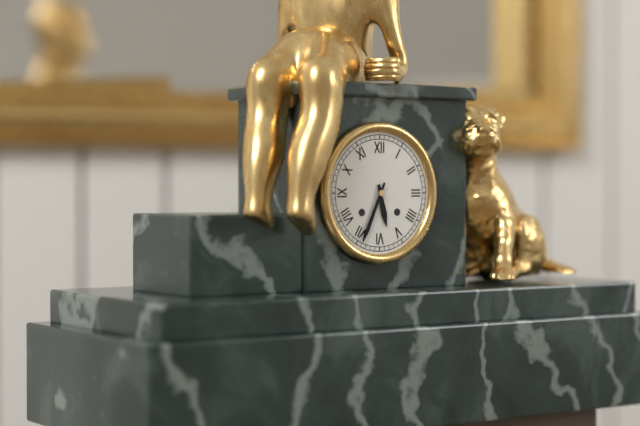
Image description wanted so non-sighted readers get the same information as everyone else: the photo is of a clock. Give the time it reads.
5:34
